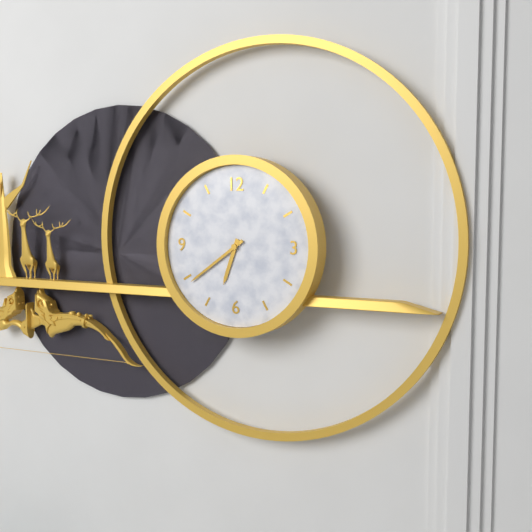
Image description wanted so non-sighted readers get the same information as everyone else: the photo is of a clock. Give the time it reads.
6:39
